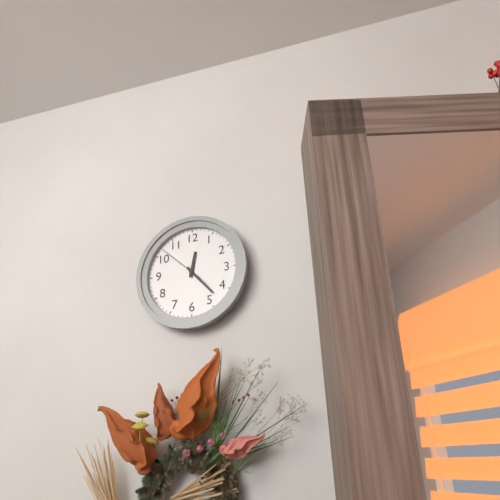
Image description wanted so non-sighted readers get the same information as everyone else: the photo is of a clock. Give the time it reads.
12:23
